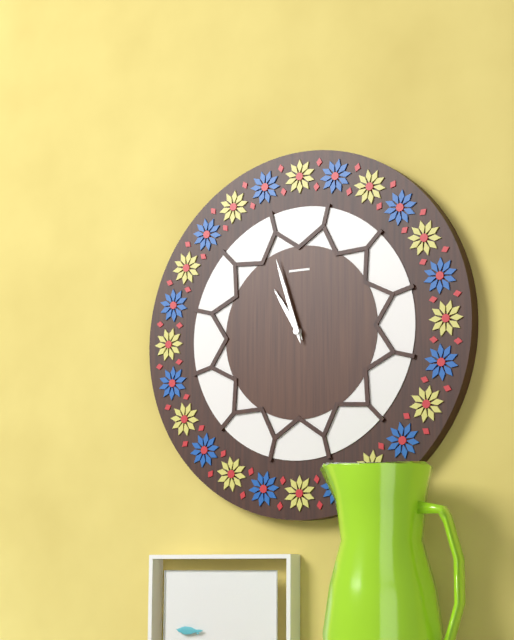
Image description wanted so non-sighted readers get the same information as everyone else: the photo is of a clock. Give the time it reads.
10:57
